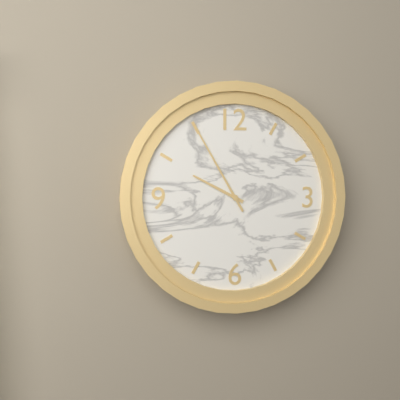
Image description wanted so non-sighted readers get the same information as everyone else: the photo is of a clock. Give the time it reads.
9:55
